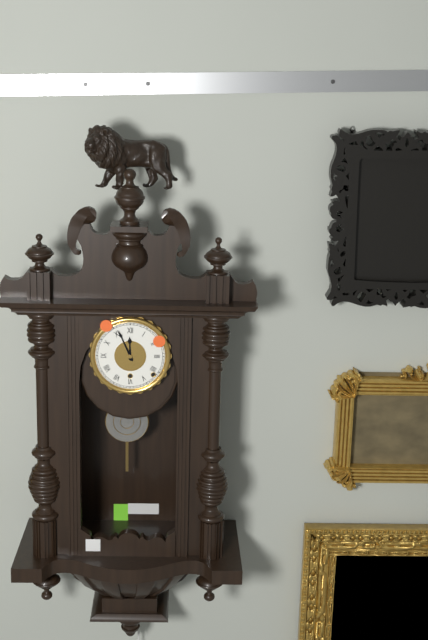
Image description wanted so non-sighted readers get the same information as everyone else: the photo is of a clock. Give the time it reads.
11:56
